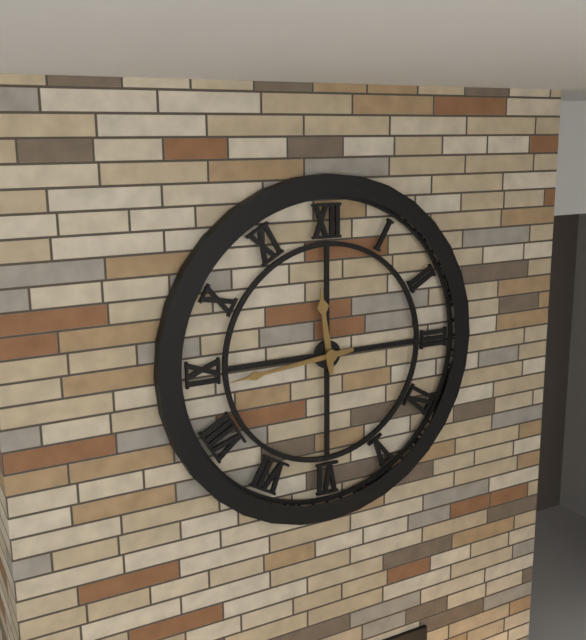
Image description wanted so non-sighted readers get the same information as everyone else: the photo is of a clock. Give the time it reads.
11:44
